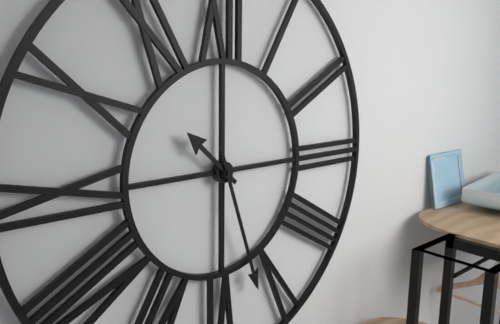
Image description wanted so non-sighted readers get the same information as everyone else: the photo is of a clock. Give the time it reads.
10:27
